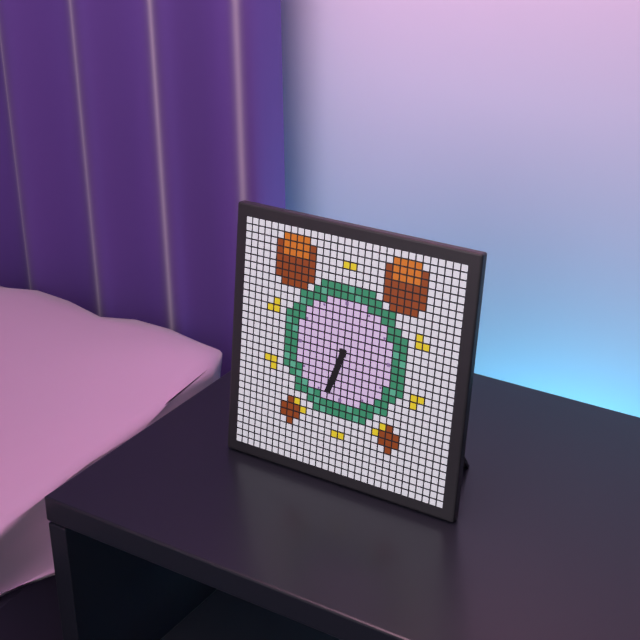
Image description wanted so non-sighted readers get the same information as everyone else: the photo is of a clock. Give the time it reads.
6:33
